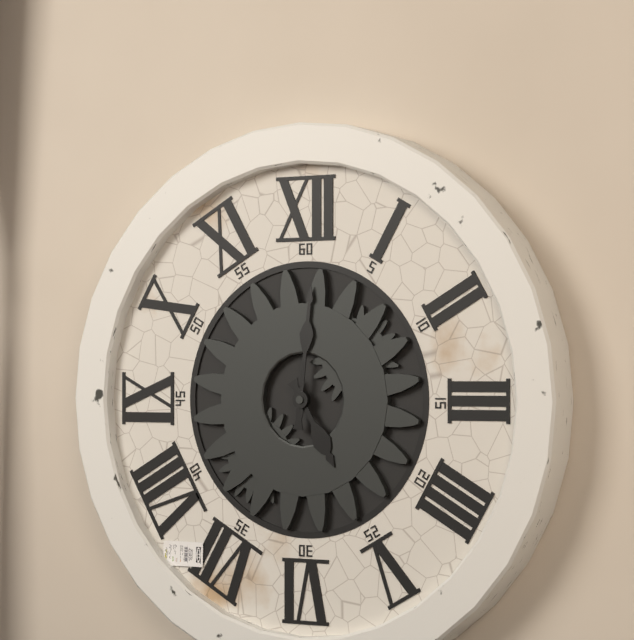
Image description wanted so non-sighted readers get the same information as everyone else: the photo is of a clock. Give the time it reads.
5:01
